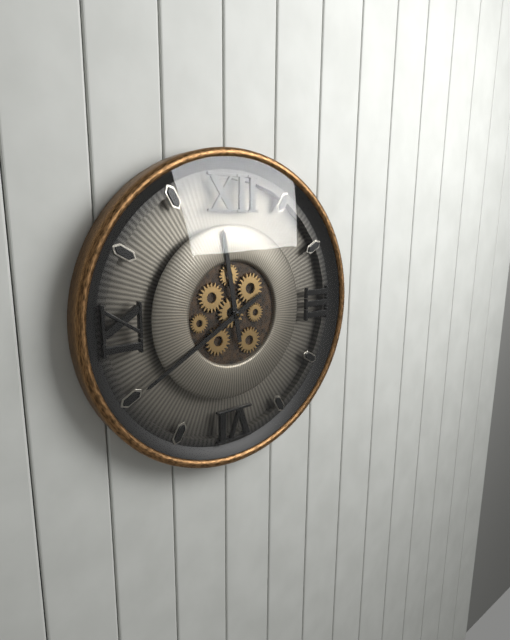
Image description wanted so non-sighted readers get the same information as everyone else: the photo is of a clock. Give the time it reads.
11:40
